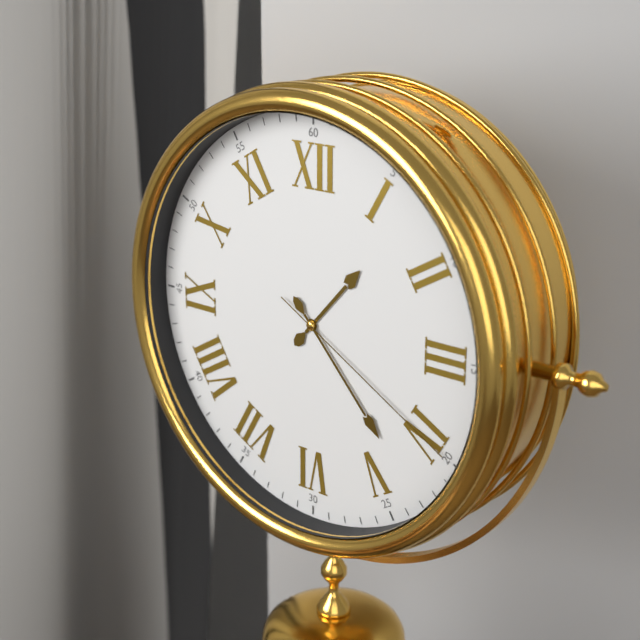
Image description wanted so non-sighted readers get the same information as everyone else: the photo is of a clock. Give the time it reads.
1:23:20
